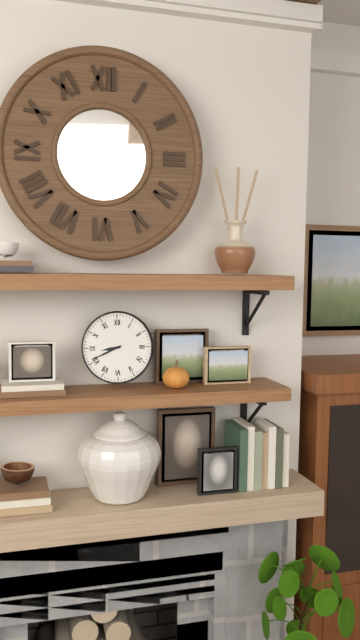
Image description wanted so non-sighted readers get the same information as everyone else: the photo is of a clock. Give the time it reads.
8:41
